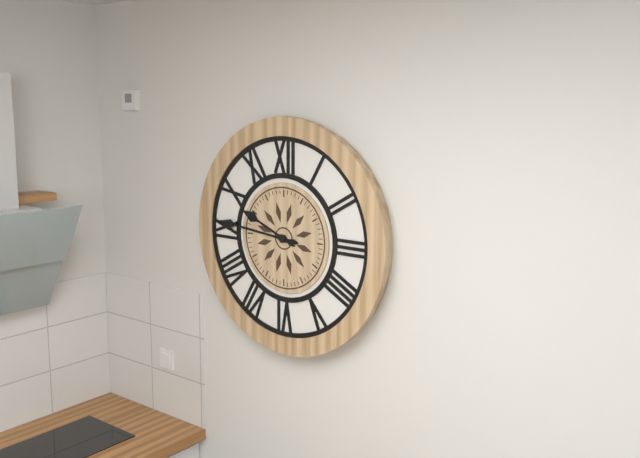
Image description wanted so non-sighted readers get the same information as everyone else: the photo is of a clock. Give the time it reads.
9:46
